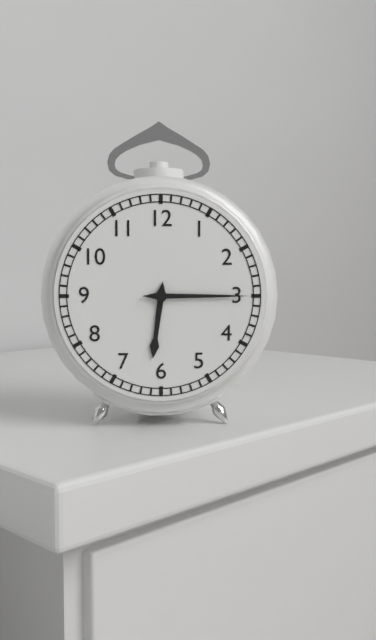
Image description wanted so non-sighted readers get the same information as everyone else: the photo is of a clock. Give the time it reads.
6:15
